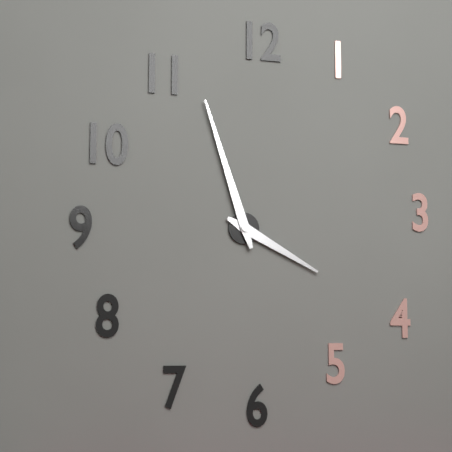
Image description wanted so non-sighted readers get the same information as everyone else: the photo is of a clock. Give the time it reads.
3:57
